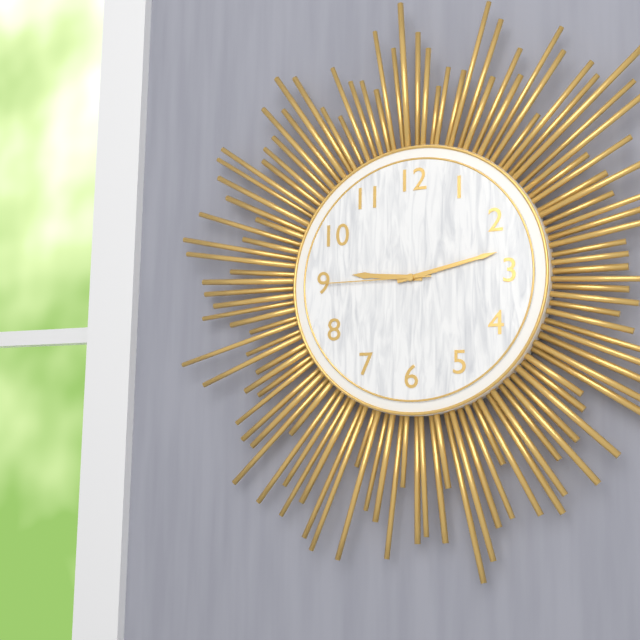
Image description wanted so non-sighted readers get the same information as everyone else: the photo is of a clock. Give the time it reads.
9:13:45
